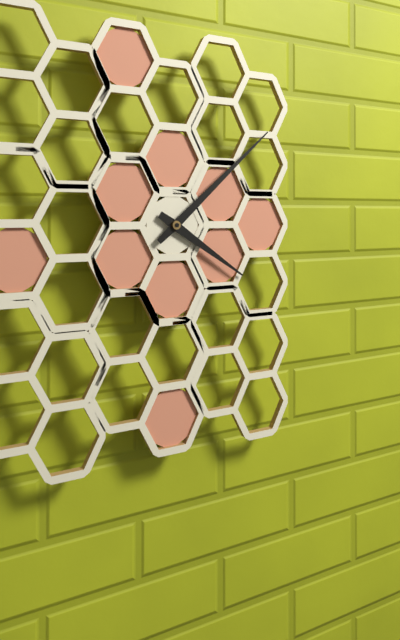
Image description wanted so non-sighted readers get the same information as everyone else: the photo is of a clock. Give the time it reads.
4:08
